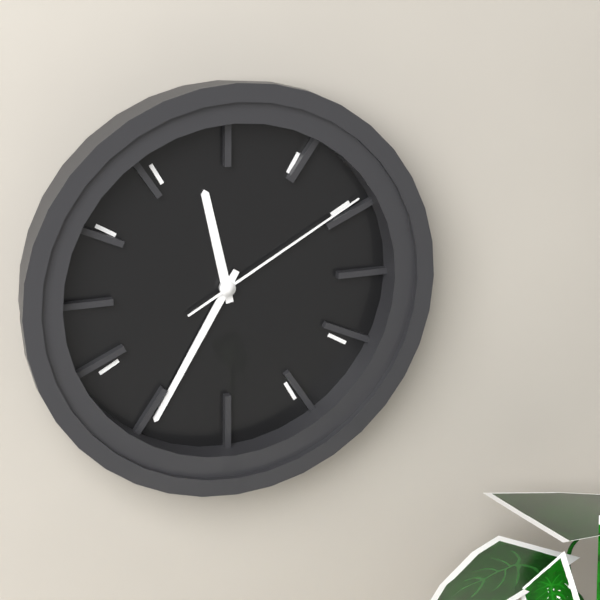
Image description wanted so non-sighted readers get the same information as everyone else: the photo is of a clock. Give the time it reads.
11:35:10
